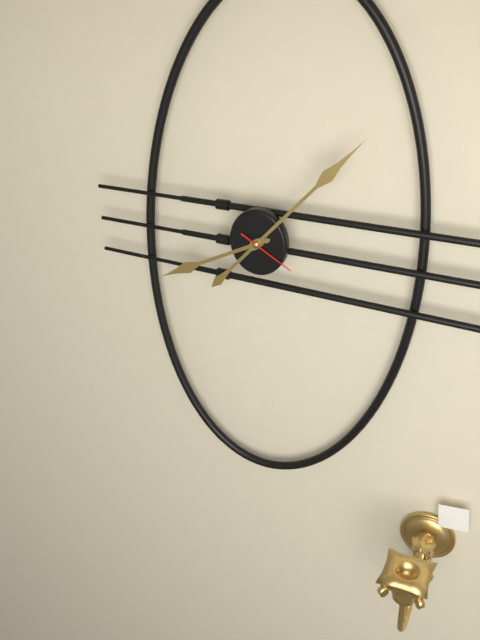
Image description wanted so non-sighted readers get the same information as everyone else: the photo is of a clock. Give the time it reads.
8:07:20
